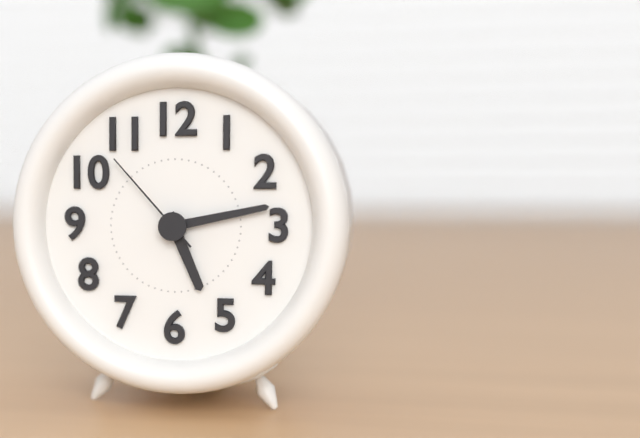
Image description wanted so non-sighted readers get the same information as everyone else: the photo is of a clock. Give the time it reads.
5:13:53
